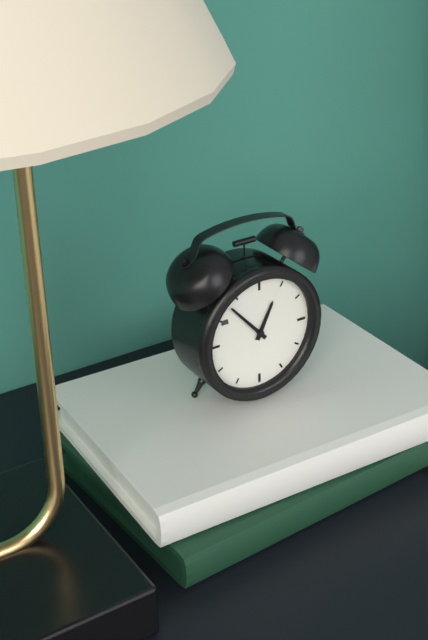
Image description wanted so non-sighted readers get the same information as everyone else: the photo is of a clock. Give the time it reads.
12:53
